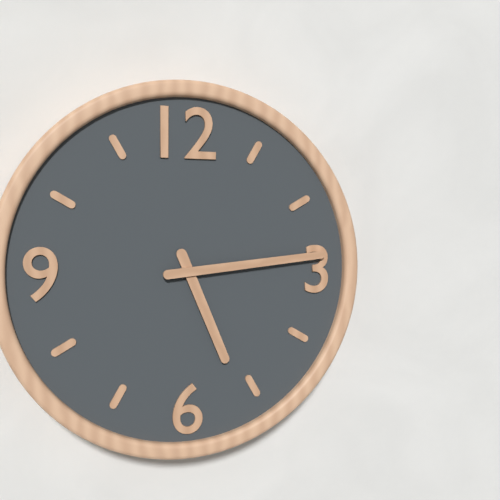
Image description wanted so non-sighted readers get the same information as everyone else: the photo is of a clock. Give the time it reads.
5:14
